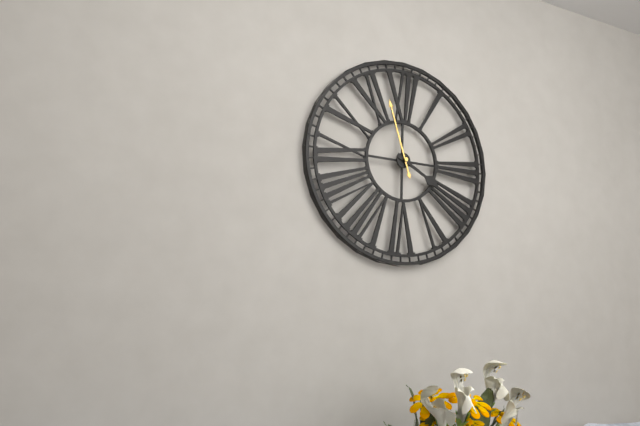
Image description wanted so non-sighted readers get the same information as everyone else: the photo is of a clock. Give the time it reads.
3:57
